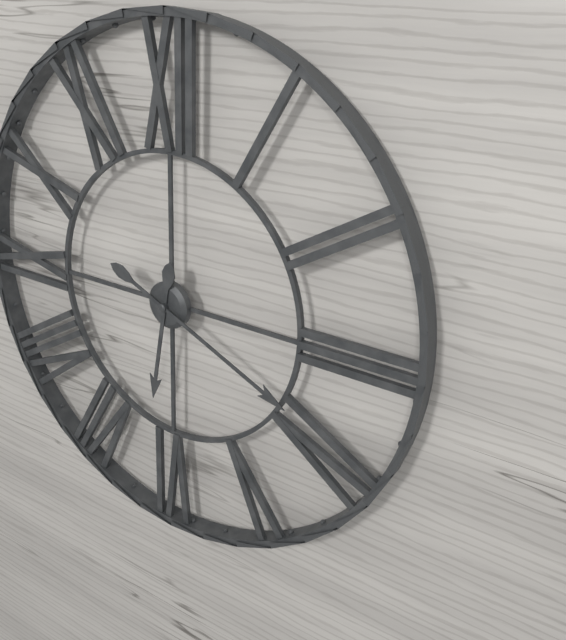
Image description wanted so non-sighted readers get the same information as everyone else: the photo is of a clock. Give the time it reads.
6:19
